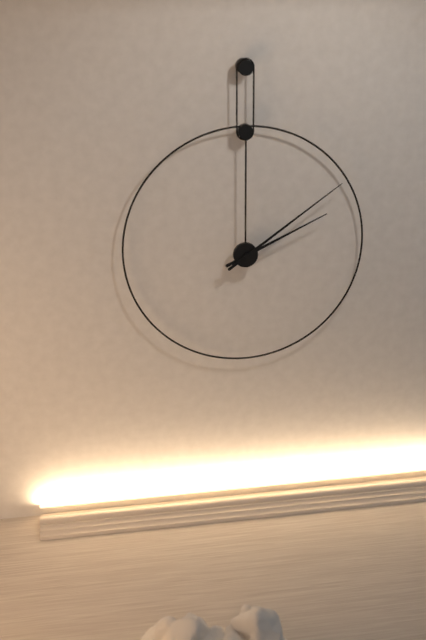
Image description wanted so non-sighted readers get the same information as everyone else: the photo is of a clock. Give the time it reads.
2:09
